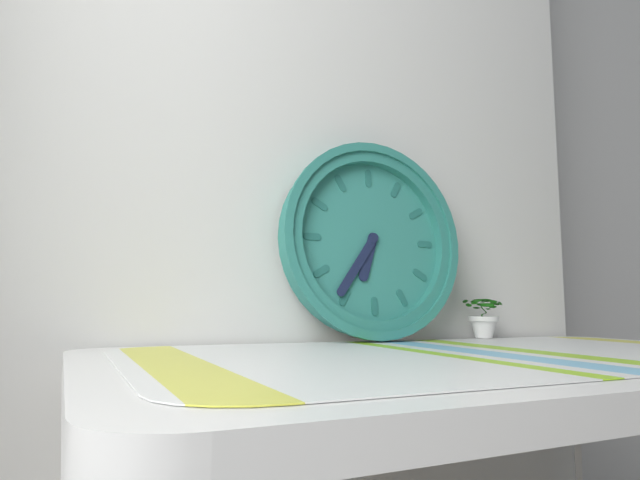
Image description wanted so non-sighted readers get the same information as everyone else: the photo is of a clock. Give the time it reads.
6:36
